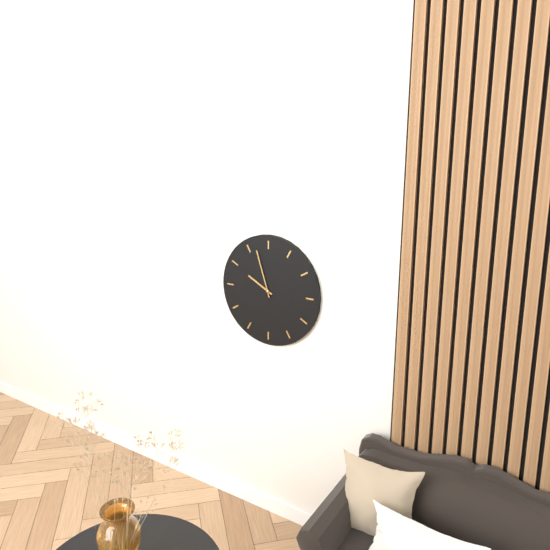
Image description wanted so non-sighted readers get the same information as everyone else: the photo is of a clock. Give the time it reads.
9:57
